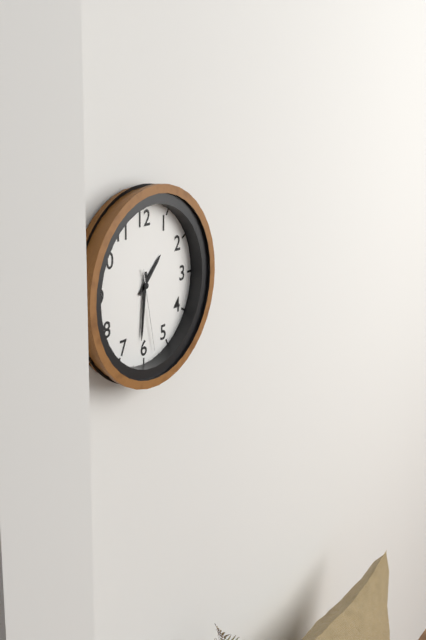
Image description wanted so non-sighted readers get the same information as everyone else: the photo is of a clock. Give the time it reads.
1:31:28
